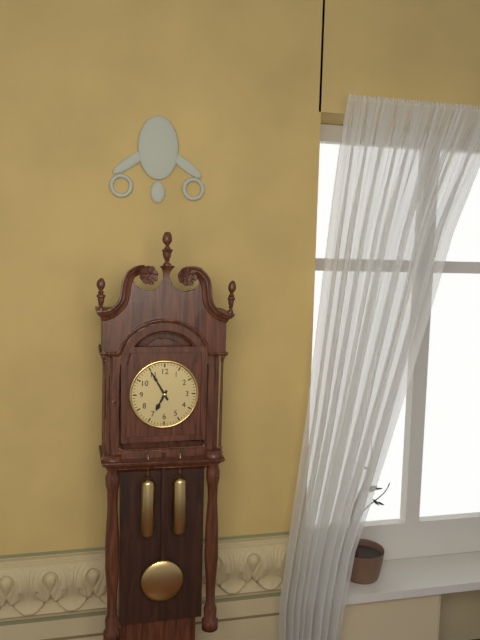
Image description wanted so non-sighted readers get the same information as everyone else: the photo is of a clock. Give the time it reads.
6:55
